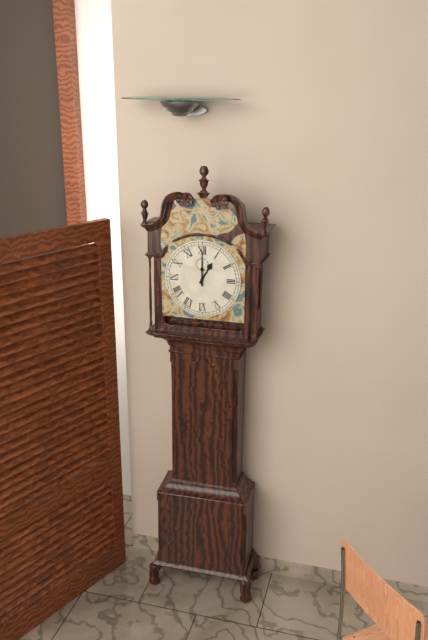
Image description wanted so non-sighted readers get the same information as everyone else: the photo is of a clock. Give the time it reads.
1:00
